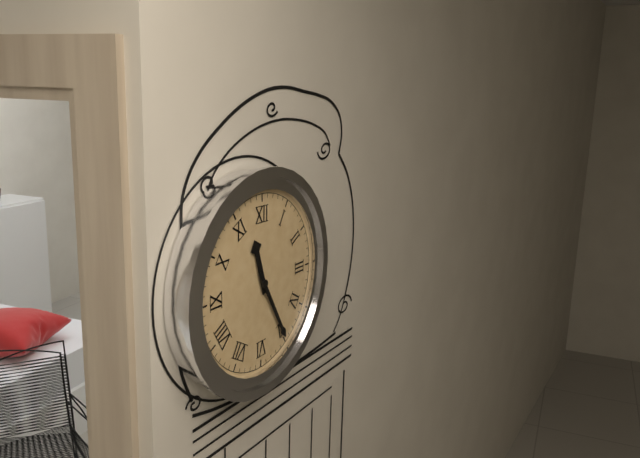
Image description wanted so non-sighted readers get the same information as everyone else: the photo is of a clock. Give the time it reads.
11:25
